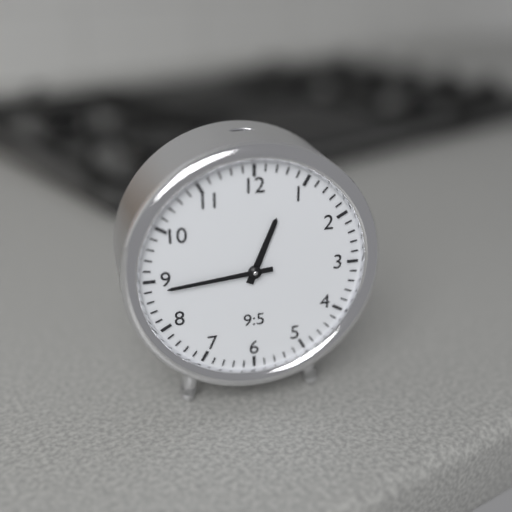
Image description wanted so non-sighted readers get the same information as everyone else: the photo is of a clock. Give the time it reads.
12:44
